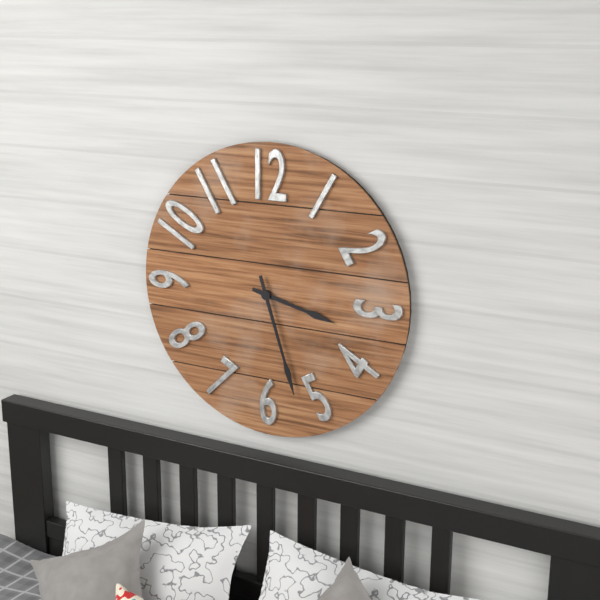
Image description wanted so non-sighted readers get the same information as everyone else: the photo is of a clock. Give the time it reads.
3:27
